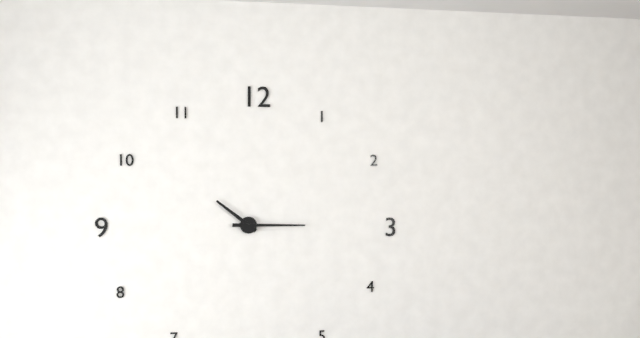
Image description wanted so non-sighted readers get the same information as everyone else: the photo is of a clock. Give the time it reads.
10:15
